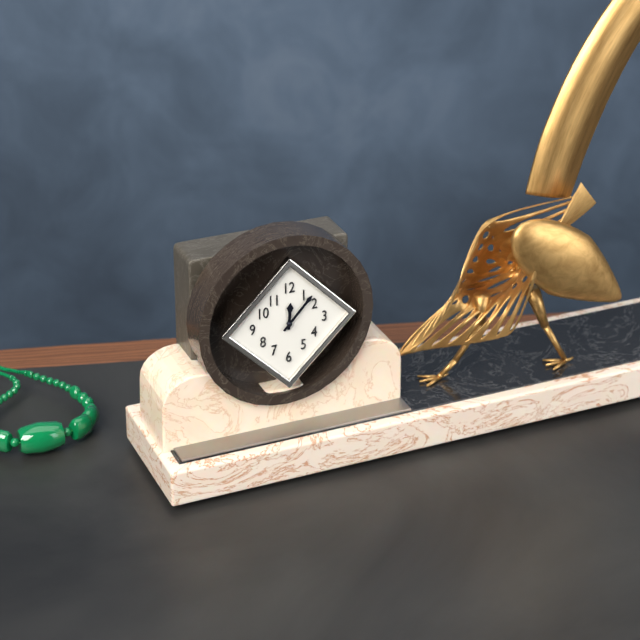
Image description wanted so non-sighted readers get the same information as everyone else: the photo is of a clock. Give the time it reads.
12:07
